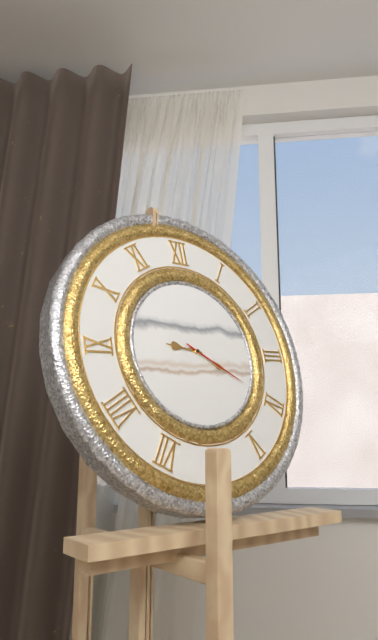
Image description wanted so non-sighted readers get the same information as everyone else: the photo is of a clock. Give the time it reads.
9:20:20
